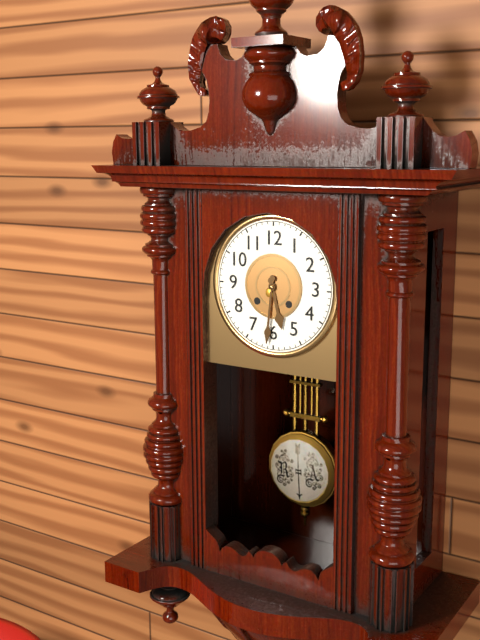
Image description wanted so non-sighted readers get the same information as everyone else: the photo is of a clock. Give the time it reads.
5:31
